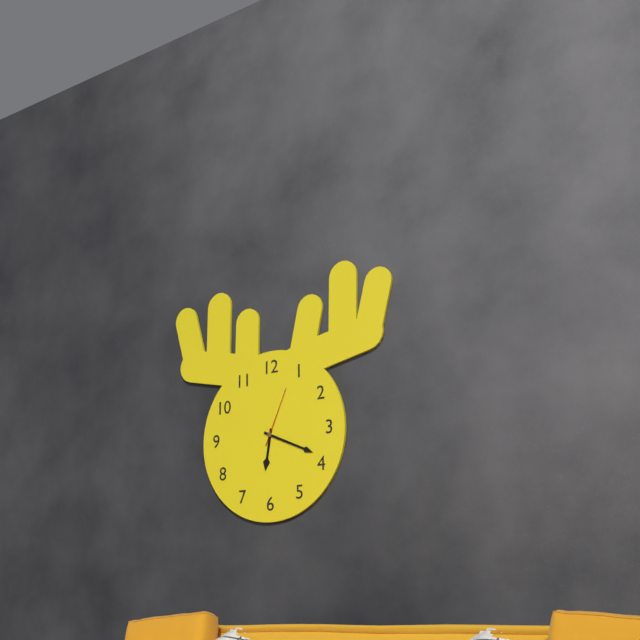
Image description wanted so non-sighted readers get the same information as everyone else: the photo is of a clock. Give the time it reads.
6:19:04
